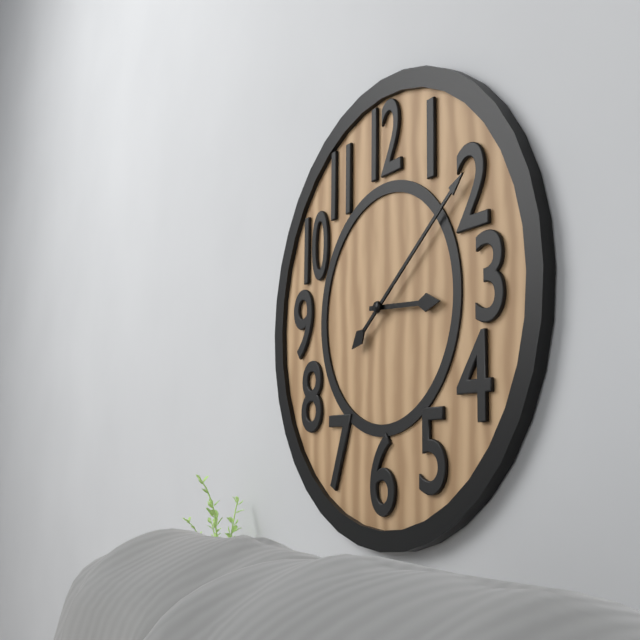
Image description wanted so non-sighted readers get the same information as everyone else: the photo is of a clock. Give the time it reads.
3:09
